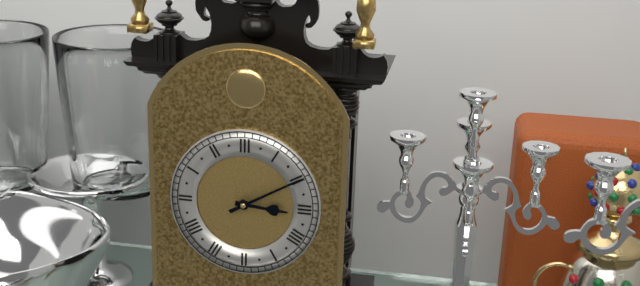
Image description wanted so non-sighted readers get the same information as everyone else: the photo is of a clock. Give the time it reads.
3:10
